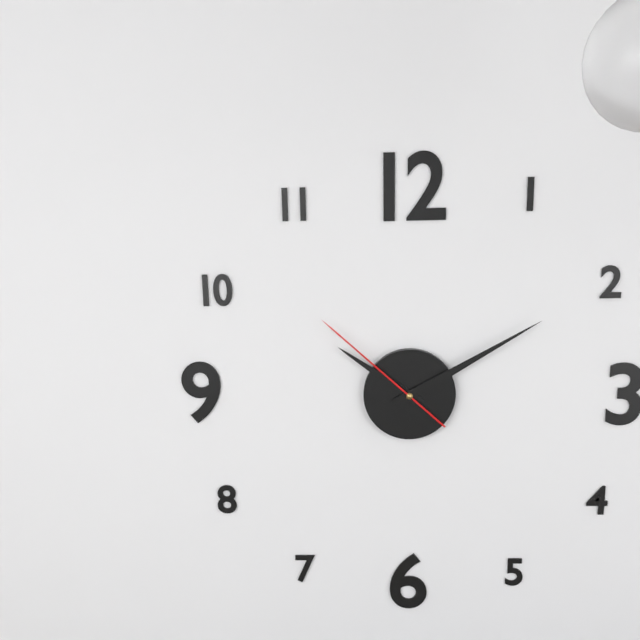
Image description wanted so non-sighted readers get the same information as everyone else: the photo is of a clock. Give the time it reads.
10:10:52
